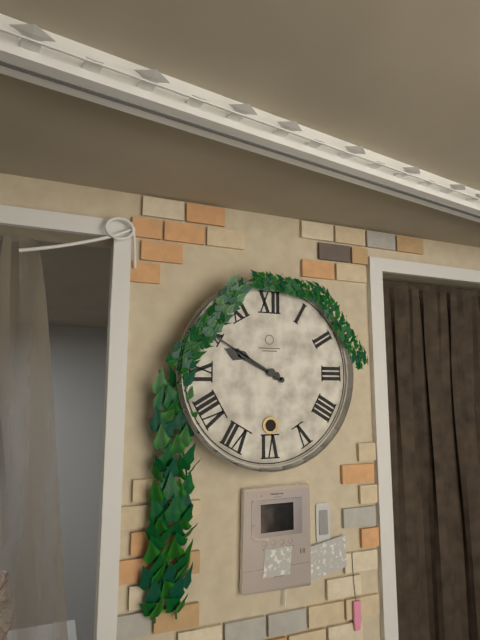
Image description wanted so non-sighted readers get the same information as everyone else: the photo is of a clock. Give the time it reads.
9:50
